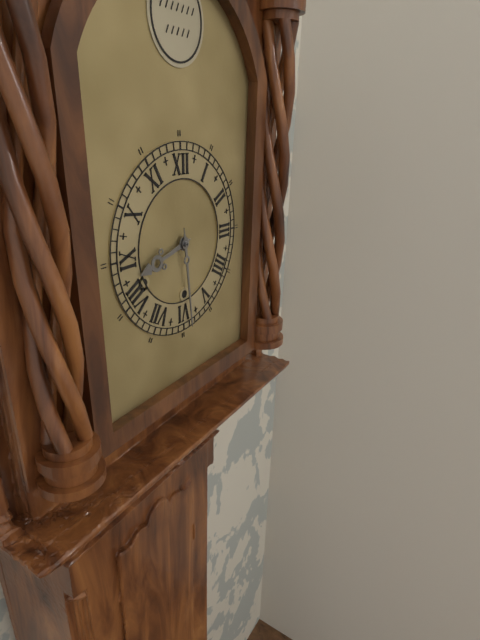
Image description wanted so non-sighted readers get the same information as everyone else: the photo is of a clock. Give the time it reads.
8:29
